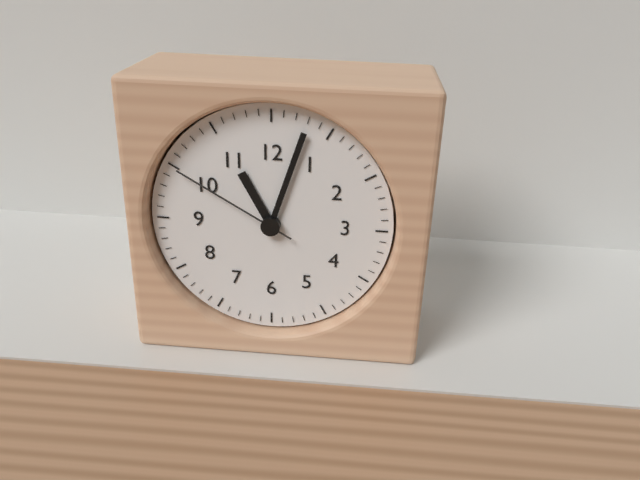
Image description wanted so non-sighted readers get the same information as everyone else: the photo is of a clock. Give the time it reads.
11:03:50
